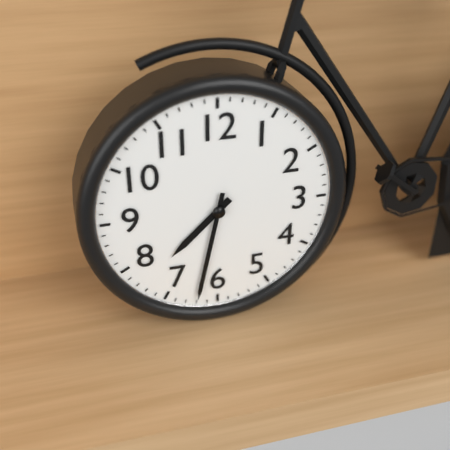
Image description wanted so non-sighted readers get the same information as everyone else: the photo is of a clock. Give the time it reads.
7:32
